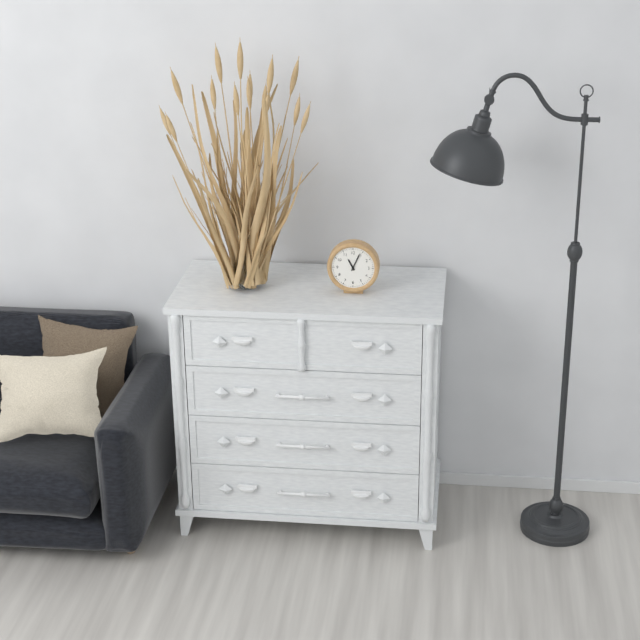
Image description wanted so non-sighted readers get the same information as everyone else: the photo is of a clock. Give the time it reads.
11:04
